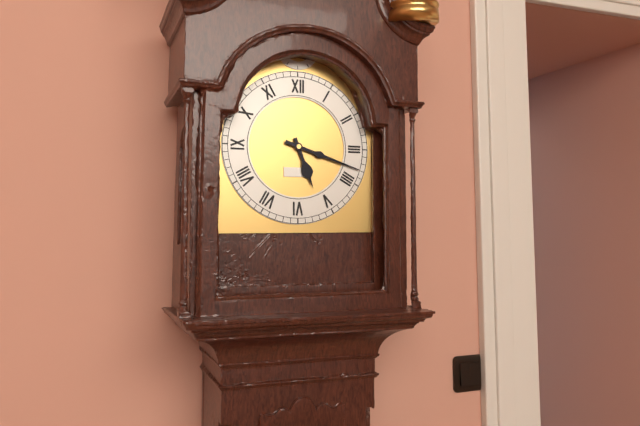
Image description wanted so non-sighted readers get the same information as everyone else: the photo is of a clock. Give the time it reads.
5:18
